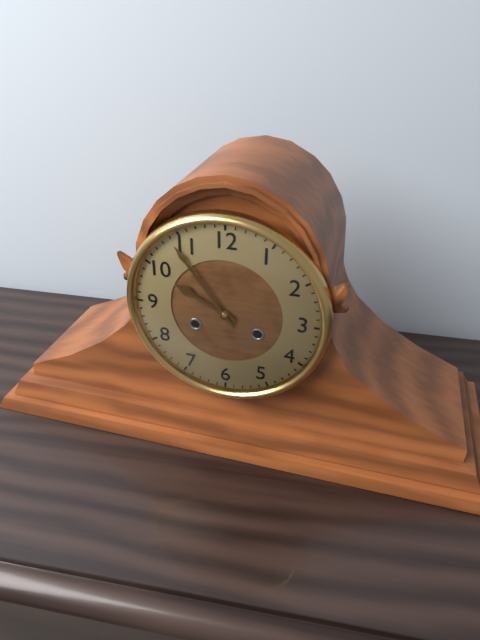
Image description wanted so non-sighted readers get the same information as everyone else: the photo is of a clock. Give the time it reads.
9:54
